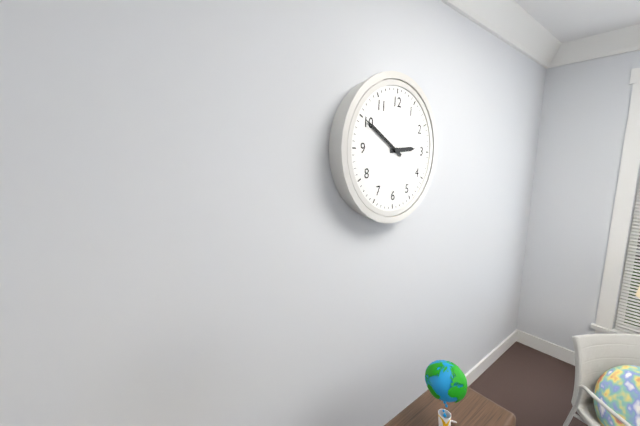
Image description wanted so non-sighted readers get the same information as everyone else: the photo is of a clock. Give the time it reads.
2:50
